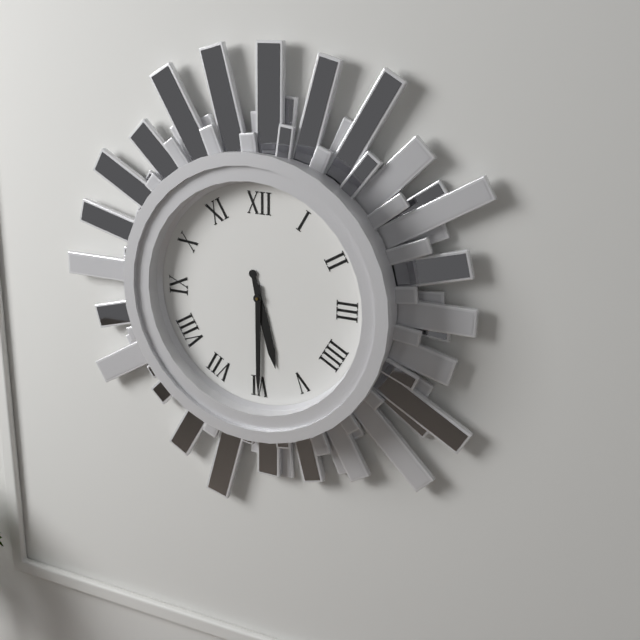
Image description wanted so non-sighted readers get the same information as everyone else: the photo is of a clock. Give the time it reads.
5:30
